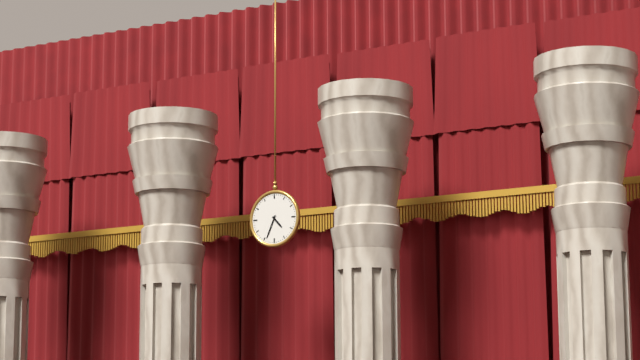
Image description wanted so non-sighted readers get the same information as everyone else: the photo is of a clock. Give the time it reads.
4:34
